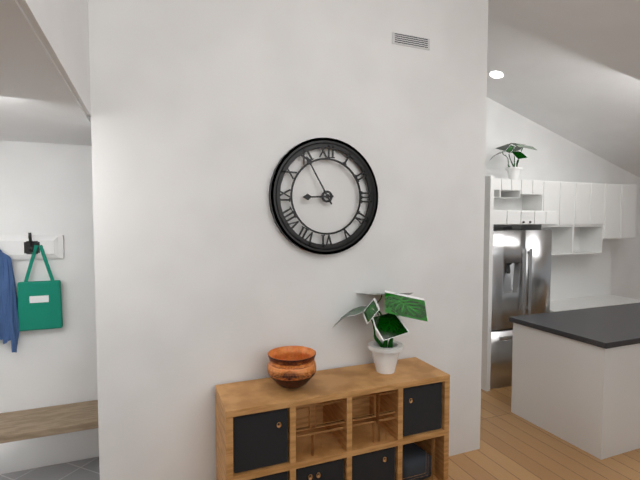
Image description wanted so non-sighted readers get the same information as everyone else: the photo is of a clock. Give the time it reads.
8:55
